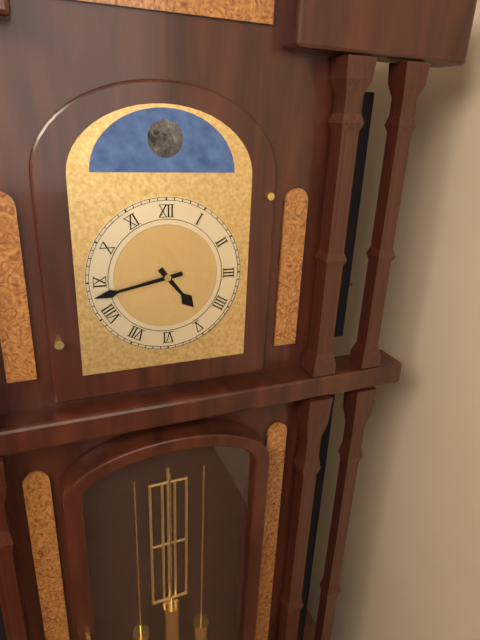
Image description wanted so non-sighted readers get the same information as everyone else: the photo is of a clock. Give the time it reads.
4:43
